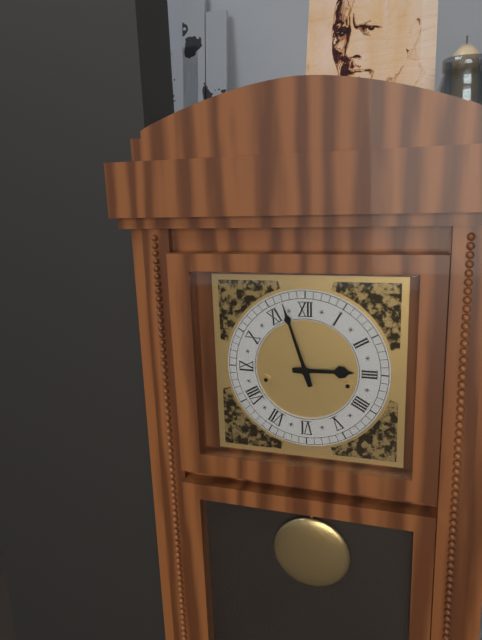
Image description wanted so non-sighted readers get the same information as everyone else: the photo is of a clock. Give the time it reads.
2:57
